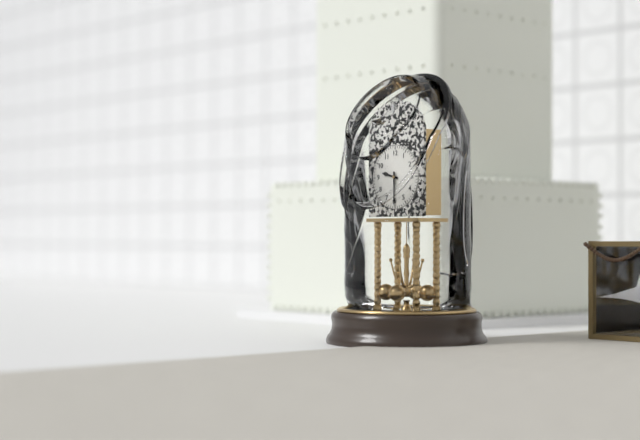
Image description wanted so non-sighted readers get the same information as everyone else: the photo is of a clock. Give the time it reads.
9:30
